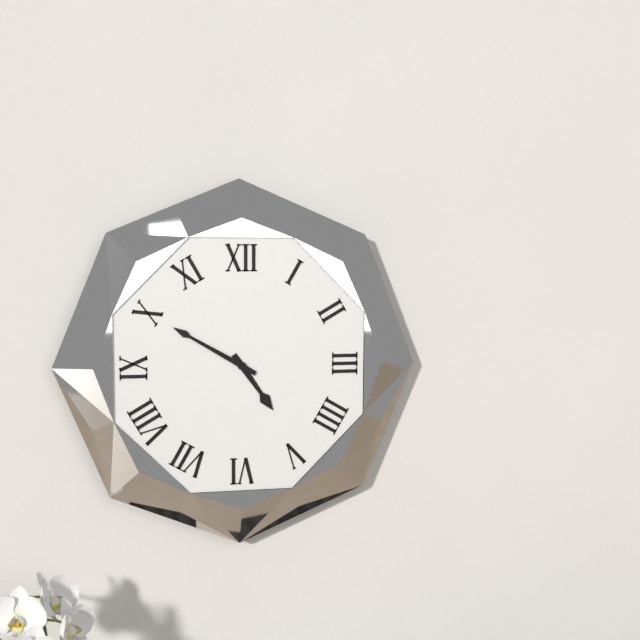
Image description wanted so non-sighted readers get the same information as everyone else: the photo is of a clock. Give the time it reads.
4:50
